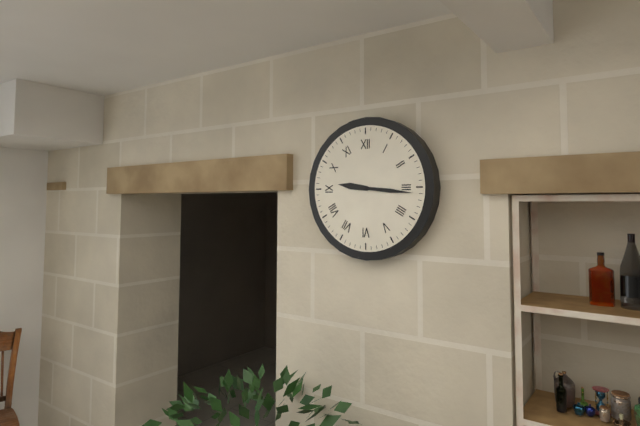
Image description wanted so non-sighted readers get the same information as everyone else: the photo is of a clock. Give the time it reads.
9:16
